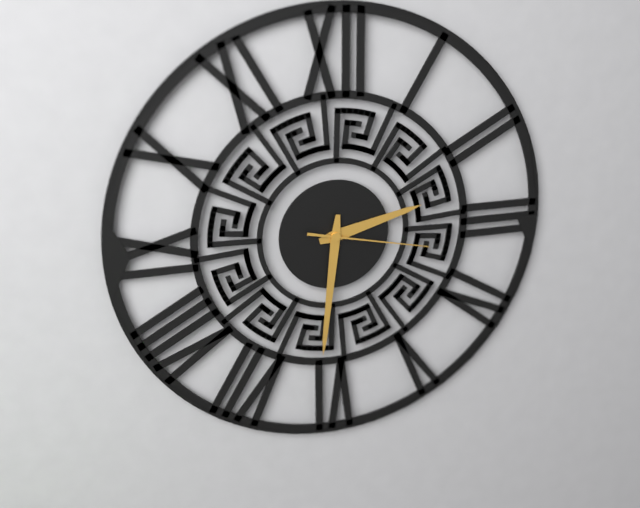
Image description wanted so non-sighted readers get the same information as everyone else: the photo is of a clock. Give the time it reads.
2:31:17
